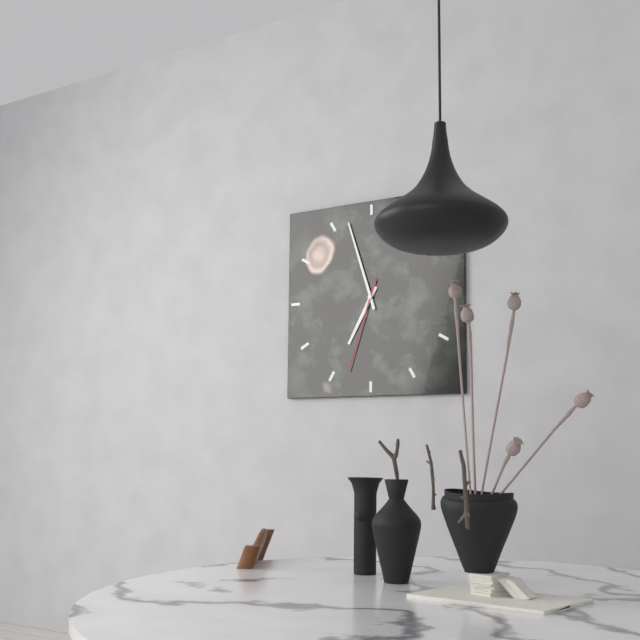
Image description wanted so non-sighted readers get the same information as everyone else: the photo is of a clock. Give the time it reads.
6:57:33
